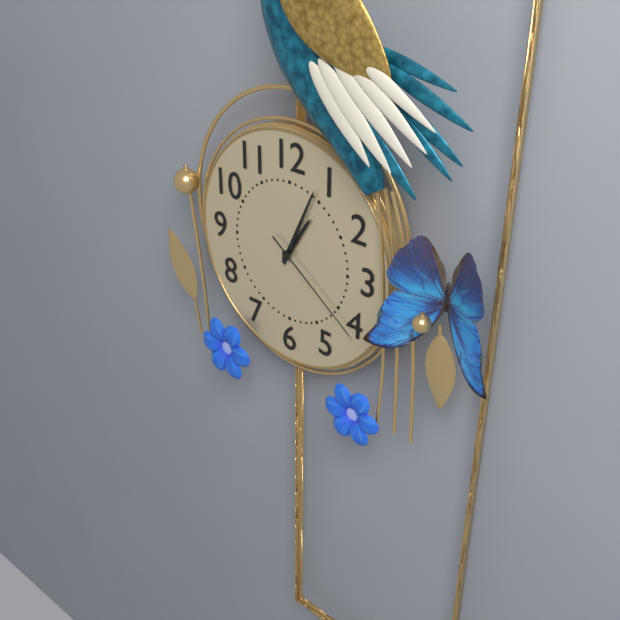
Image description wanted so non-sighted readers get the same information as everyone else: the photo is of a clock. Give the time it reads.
1:04:21
